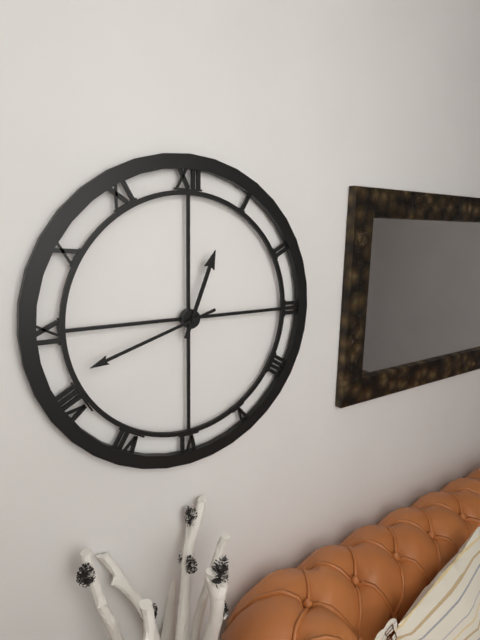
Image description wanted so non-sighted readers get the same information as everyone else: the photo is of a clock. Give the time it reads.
12:42
